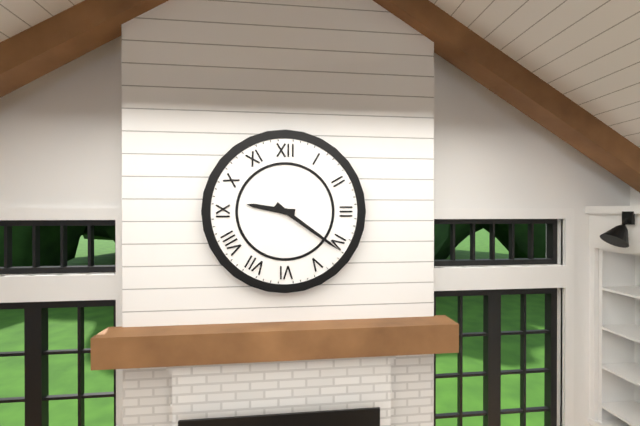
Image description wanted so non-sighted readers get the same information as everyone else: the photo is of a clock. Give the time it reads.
9:21
